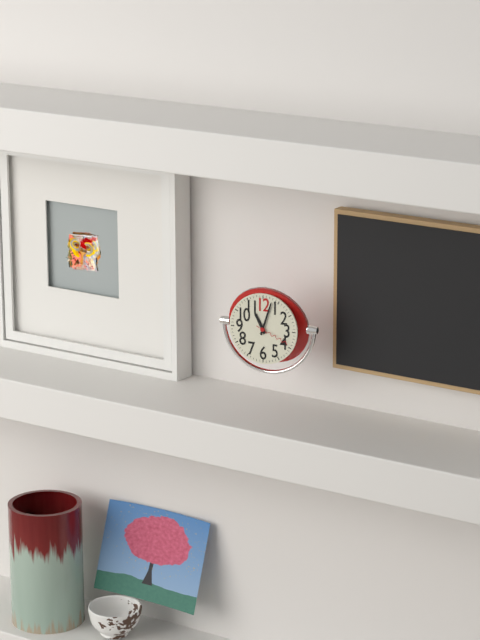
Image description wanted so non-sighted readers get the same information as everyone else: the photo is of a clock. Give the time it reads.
11:03
